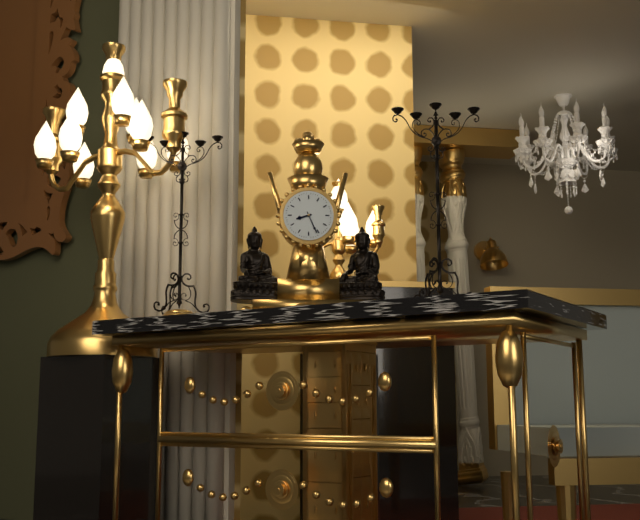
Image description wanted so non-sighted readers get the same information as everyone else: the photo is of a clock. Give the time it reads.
8:26
